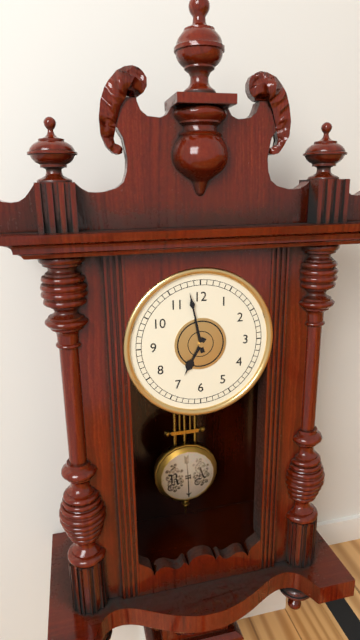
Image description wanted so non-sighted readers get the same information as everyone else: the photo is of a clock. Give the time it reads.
6:58
